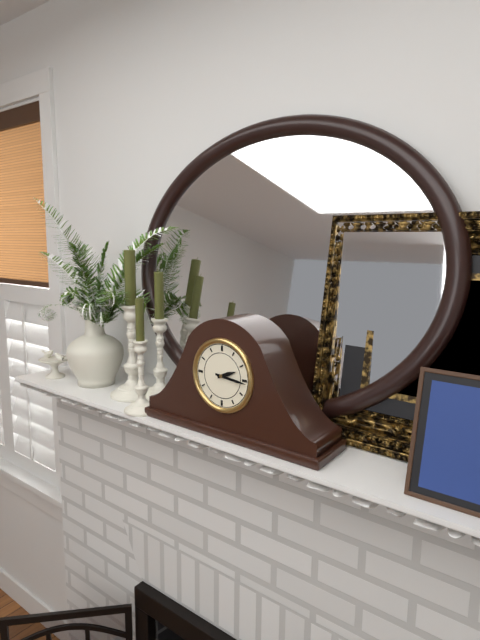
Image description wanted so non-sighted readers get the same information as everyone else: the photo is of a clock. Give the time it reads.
2:16
